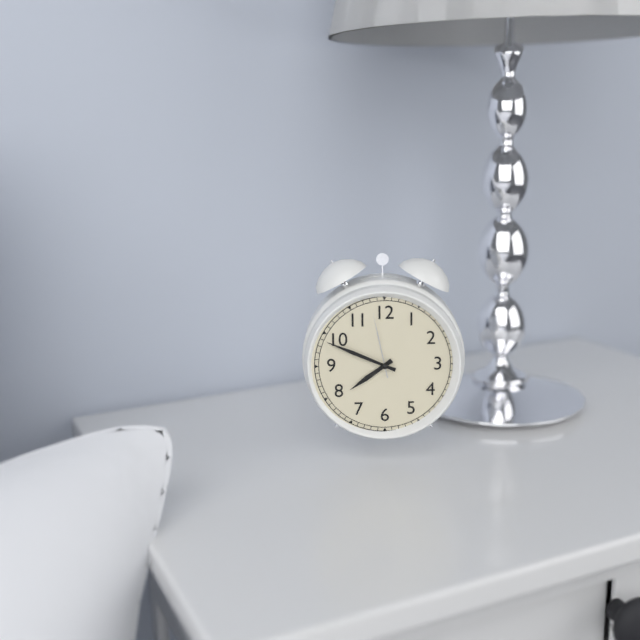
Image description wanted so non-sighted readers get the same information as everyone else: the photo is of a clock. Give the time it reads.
7:49:58
